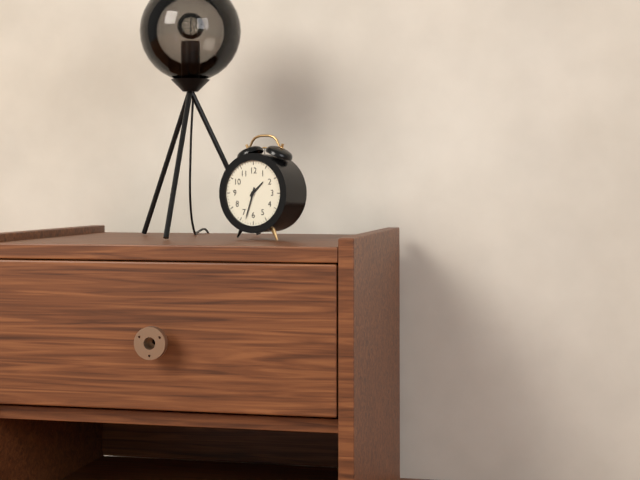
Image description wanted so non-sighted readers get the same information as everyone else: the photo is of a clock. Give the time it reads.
1:33
